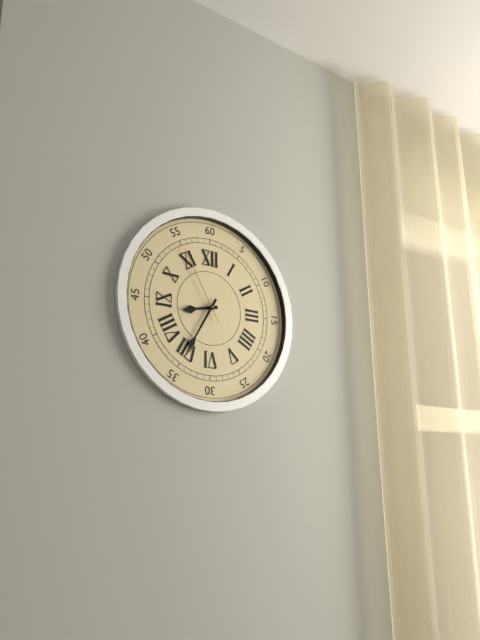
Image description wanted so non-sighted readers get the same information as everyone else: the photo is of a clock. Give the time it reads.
8:35:55
